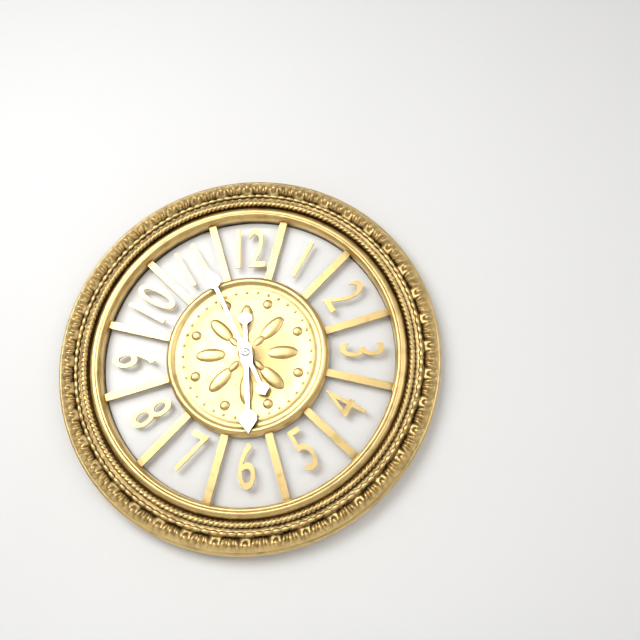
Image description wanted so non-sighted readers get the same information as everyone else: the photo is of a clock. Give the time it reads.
5:56
